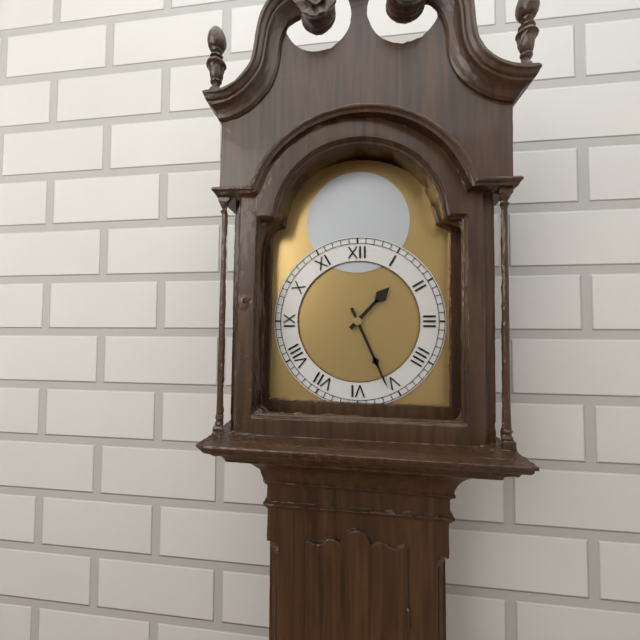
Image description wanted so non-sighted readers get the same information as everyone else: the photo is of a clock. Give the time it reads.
1:26
